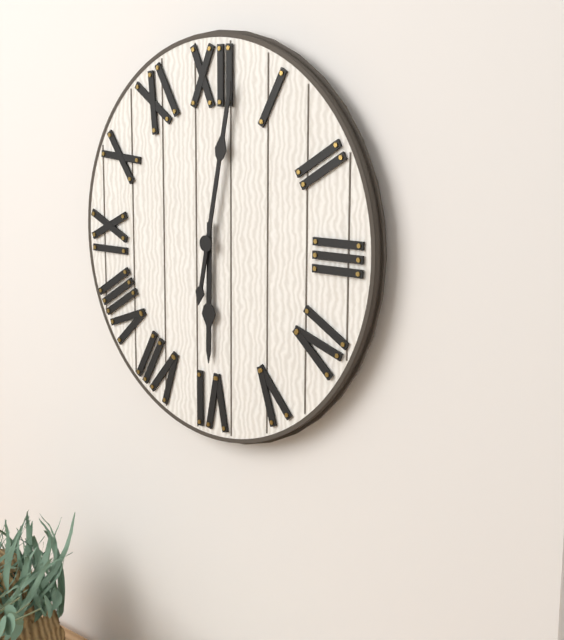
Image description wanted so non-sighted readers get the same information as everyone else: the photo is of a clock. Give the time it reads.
6:02
